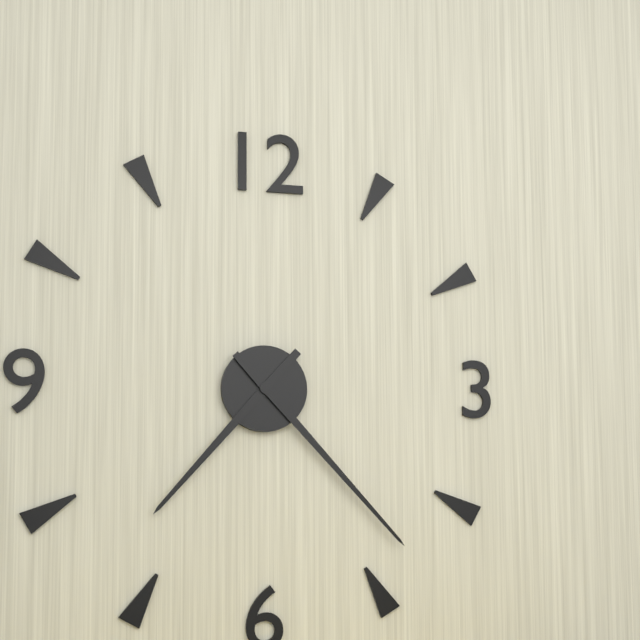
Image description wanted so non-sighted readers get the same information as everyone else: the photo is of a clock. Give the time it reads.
7:23
